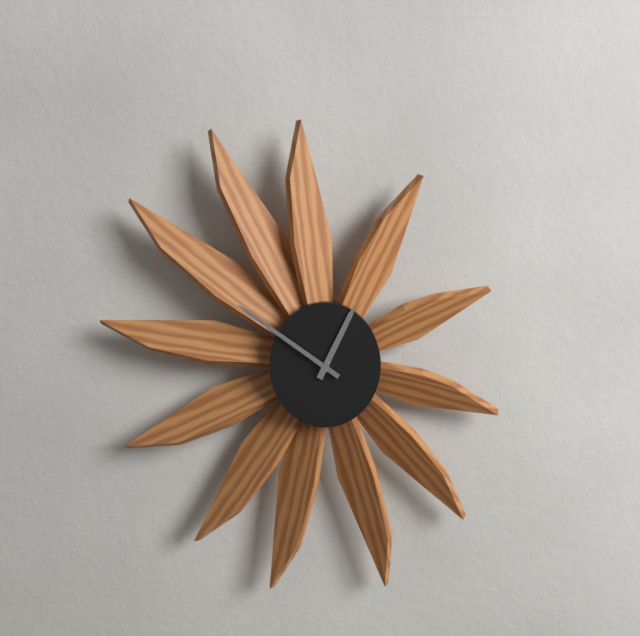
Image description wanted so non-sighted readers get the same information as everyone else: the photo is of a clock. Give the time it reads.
12:51
